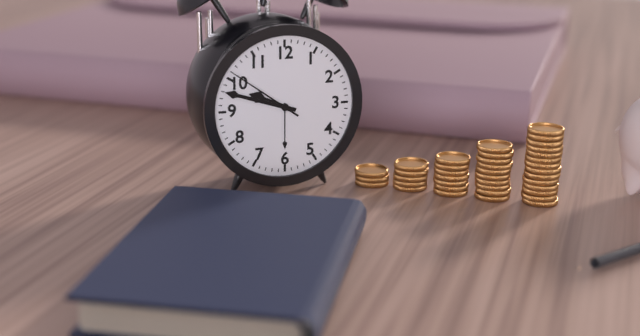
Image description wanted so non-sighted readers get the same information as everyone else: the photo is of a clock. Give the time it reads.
9:48:51
